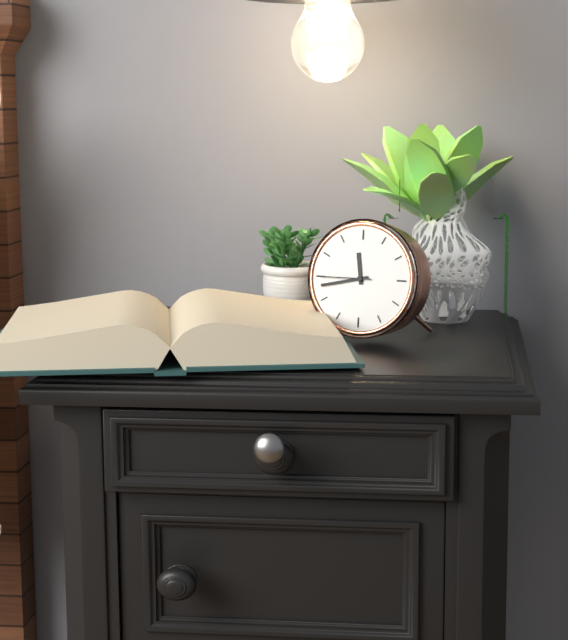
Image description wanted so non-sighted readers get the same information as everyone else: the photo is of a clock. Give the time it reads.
11:43:45
